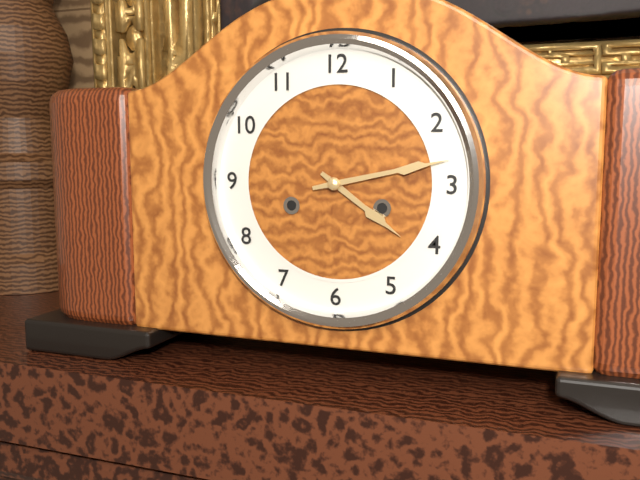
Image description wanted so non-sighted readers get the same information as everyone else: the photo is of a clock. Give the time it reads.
4:13
